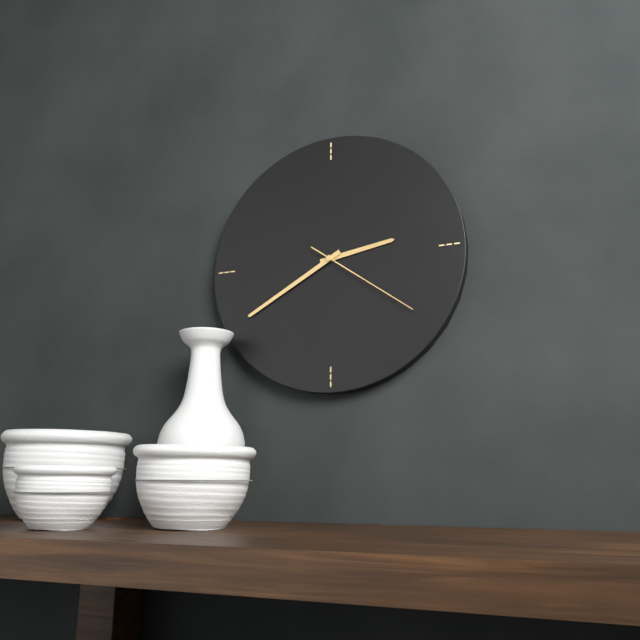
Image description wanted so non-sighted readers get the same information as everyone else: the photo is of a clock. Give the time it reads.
2:40:21
